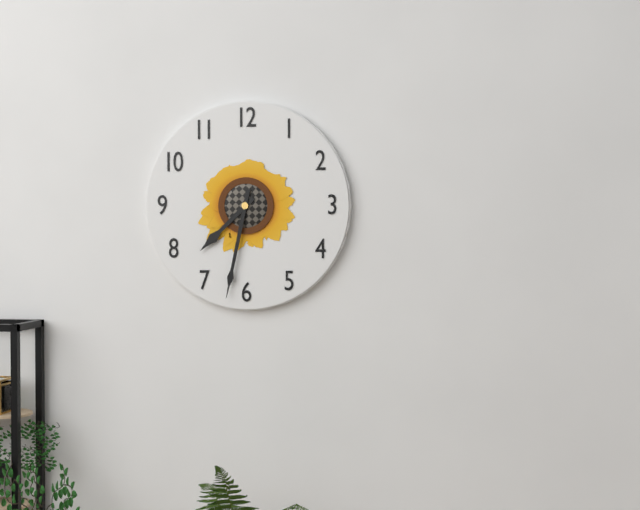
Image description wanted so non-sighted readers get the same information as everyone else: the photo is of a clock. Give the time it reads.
7:32
